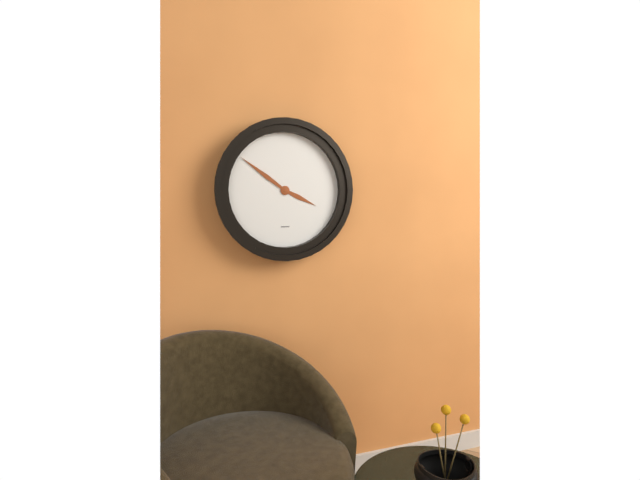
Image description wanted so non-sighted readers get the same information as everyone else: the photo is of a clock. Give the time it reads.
3:51
